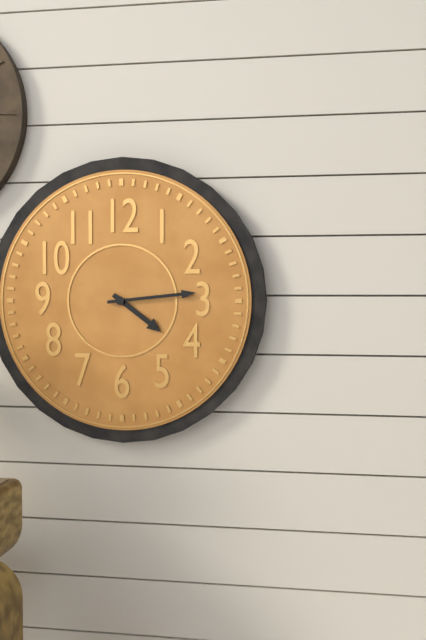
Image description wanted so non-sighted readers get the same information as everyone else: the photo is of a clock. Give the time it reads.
4:14
